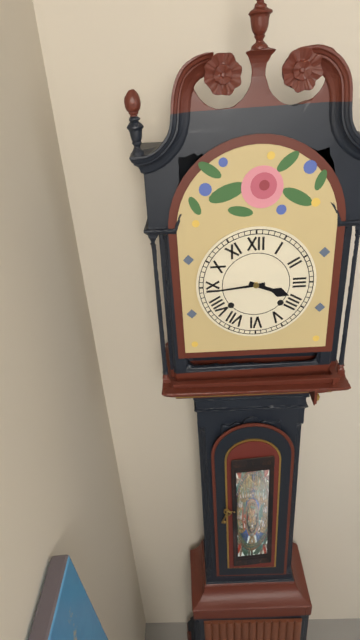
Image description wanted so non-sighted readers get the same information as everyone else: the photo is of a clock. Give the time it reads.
3:44
